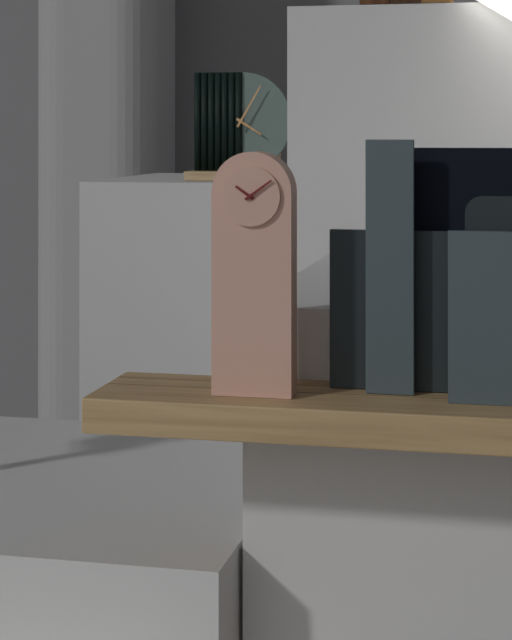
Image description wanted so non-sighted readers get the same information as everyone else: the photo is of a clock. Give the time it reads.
4:05
